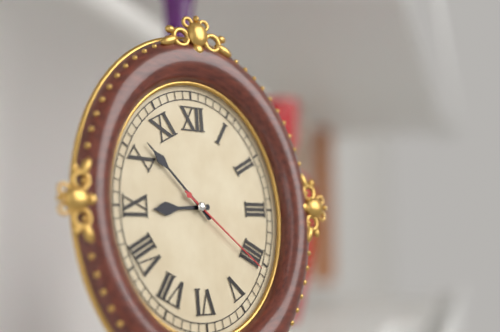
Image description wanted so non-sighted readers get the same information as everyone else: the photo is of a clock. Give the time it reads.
8:53:22
